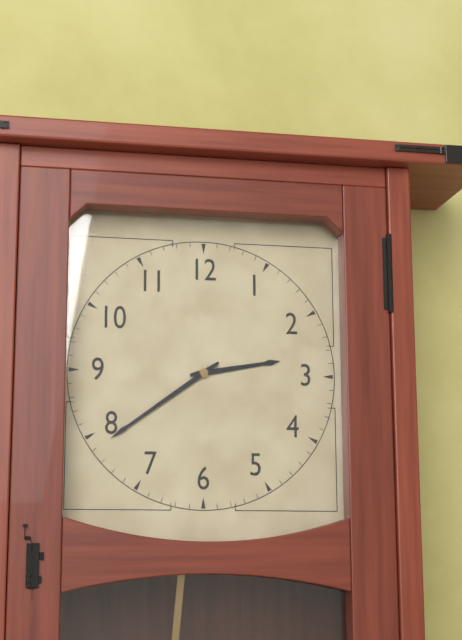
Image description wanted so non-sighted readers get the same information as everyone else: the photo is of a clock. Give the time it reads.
2:39
